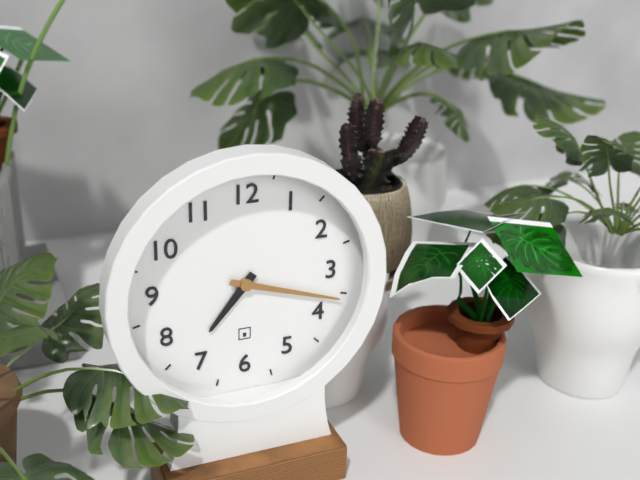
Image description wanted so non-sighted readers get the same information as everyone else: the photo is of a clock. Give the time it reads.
7:18
